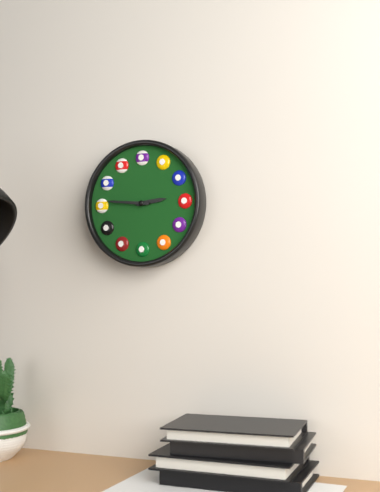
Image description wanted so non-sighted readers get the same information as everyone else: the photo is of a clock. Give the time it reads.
2:46
